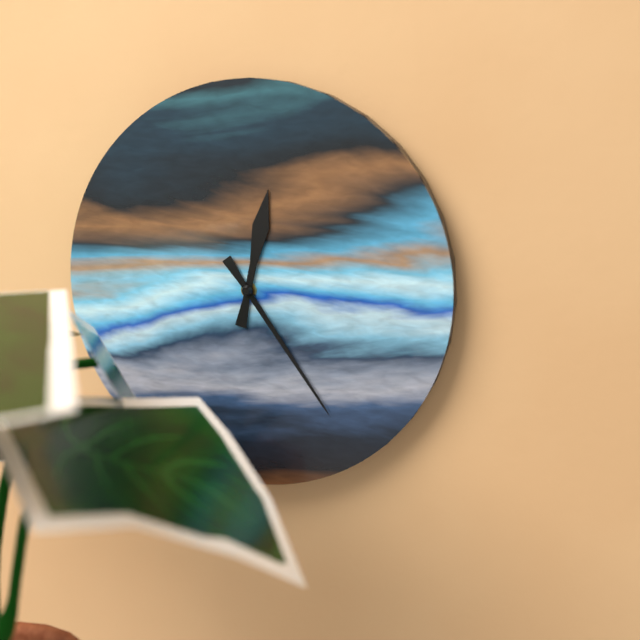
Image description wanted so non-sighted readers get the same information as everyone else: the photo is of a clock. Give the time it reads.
12:24
